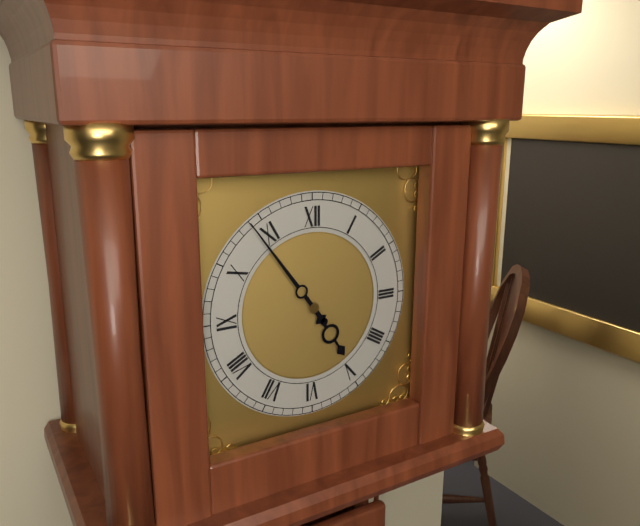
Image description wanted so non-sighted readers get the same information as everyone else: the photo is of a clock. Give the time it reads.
4:54
